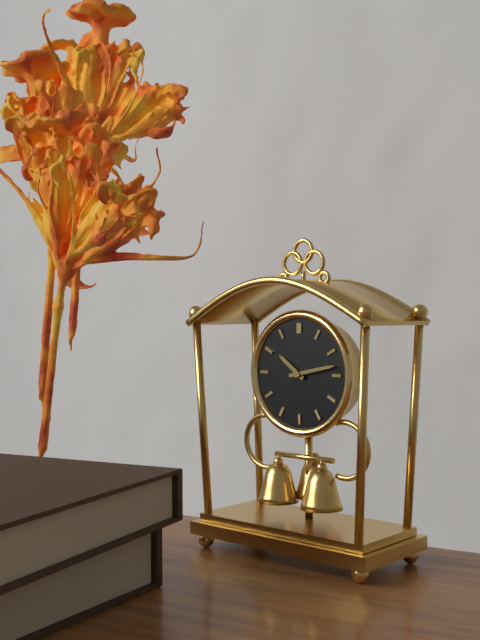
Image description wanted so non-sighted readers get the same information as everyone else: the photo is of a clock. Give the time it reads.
10:13
